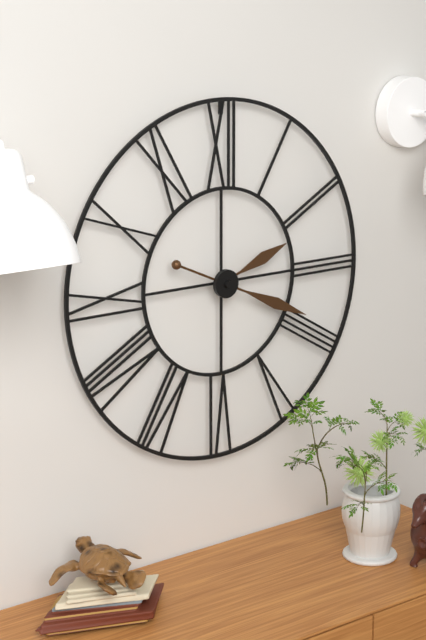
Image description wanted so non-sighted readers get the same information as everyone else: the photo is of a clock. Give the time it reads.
2:19
